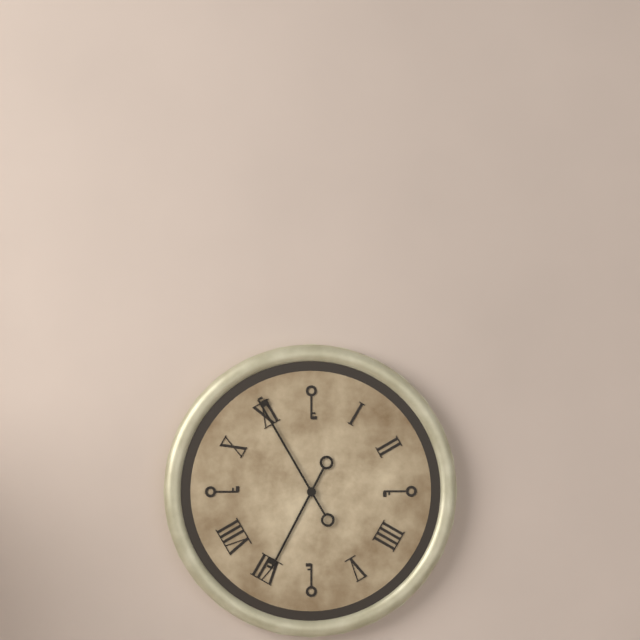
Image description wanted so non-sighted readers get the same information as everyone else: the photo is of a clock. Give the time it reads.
6:55
